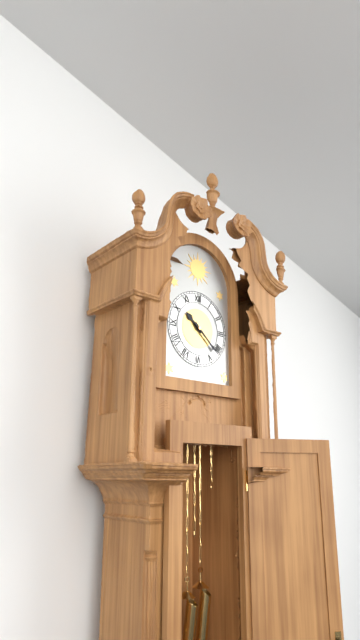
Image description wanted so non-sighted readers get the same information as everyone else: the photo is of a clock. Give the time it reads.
10:22
